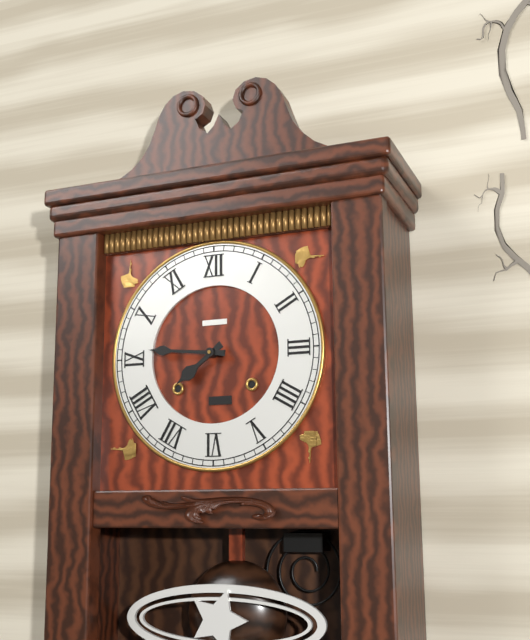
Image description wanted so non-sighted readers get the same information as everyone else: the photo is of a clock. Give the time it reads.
7:46
